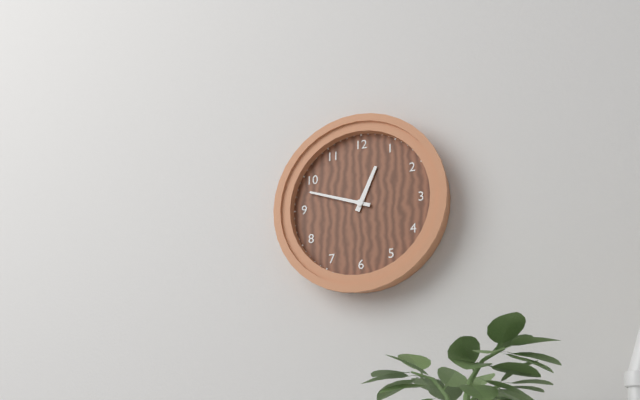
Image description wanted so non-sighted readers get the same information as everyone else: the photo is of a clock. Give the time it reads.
12:48
